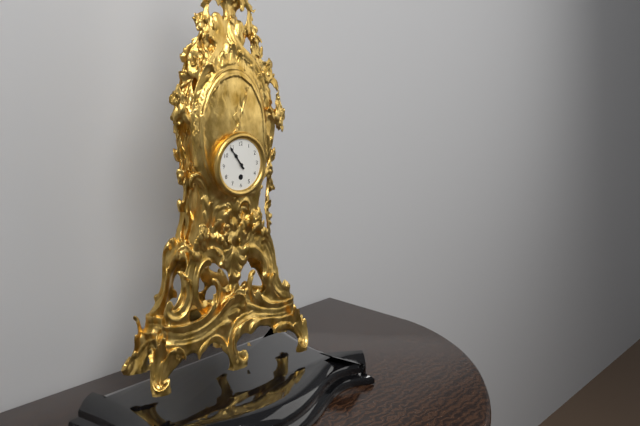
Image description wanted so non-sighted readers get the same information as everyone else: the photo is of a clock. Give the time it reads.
10:54
